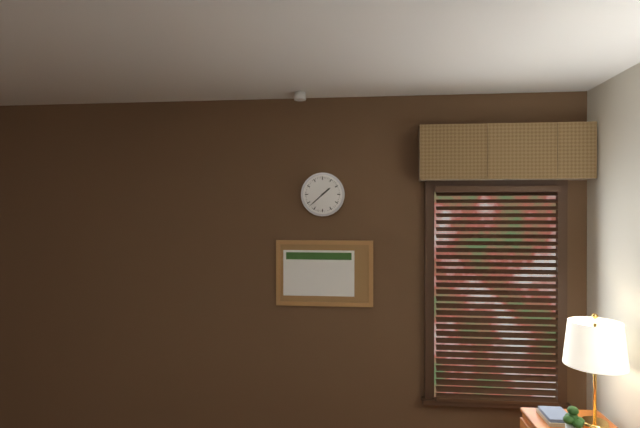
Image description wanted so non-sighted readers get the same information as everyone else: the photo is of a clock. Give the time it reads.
1:38
